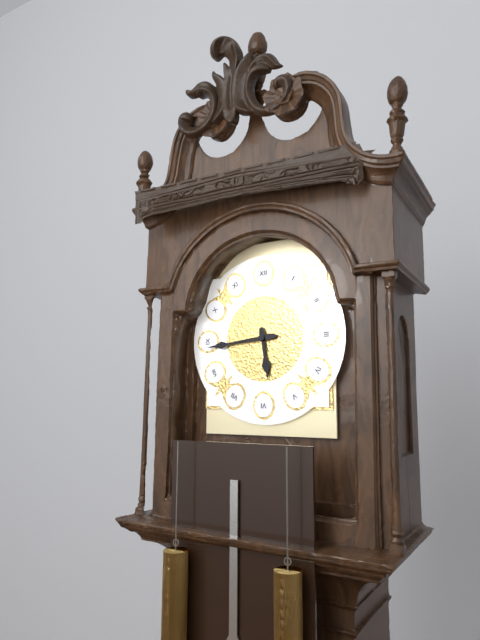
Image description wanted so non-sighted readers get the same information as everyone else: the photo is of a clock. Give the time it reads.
5:44
